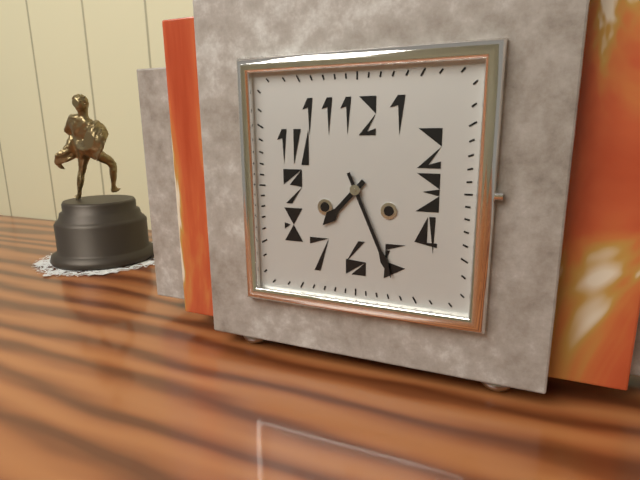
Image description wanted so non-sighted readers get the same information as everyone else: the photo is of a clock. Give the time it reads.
7:26
